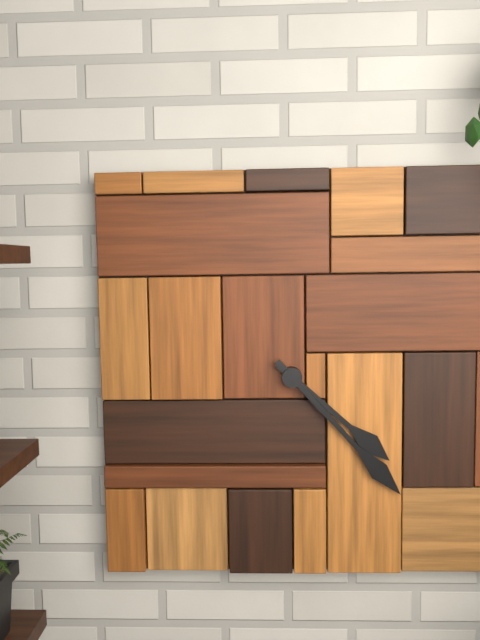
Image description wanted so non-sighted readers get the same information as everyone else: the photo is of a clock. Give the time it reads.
4:23
